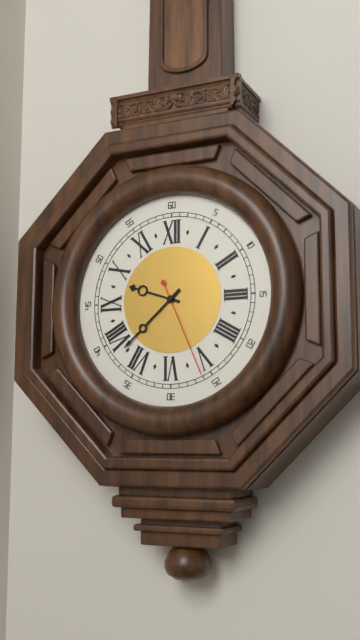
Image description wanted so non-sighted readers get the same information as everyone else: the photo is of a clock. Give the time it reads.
9:38:26
